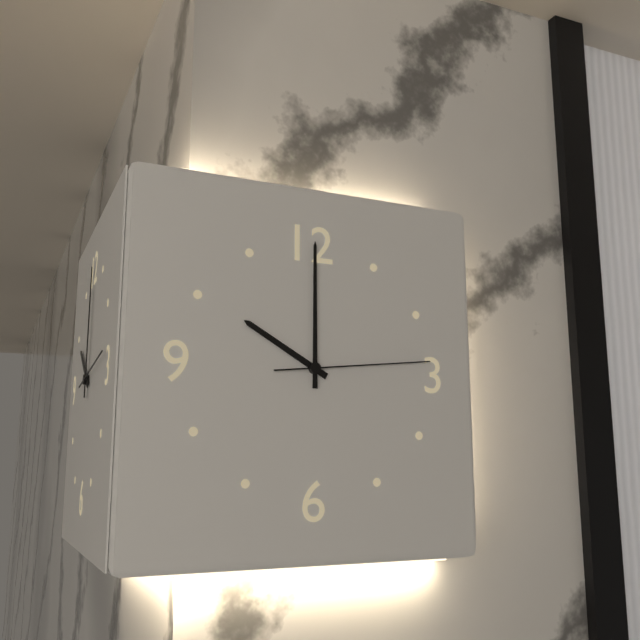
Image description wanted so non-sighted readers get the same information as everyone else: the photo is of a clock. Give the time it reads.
10:00:14
